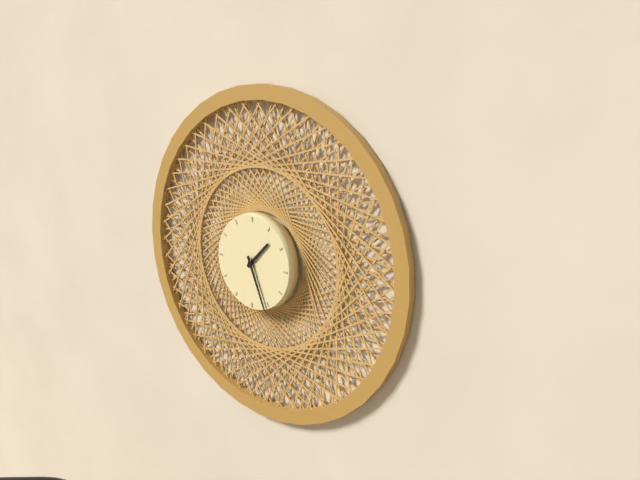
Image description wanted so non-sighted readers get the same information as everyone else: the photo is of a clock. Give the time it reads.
1:26
